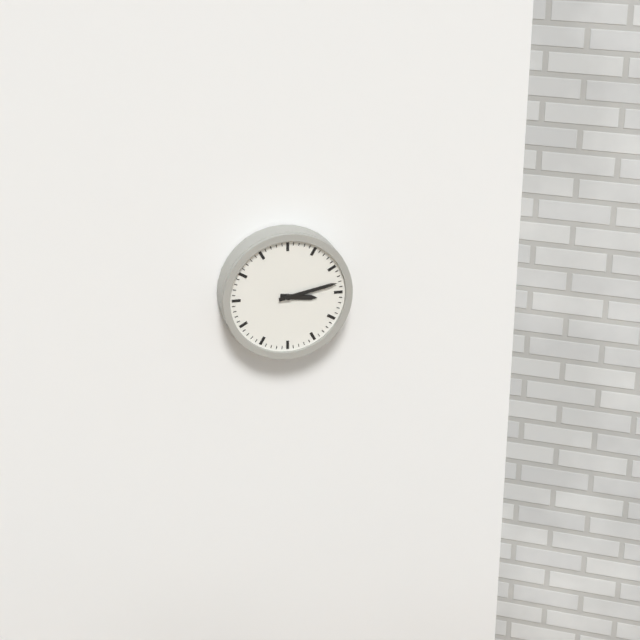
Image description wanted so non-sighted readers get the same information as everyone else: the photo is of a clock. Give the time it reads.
3:13
